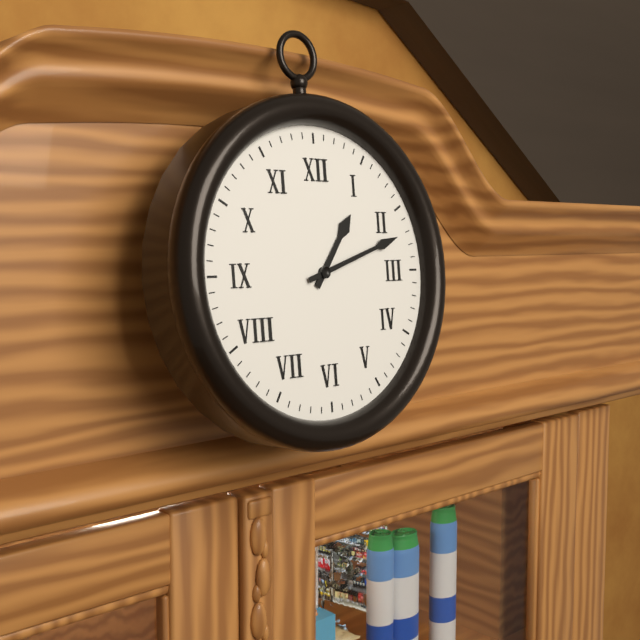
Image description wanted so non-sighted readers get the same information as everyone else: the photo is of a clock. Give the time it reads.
1:12
